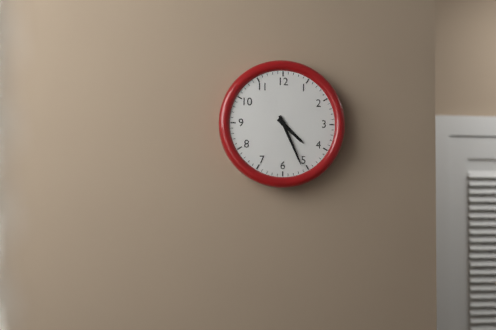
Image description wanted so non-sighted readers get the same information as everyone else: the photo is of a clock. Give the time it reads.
4:26
